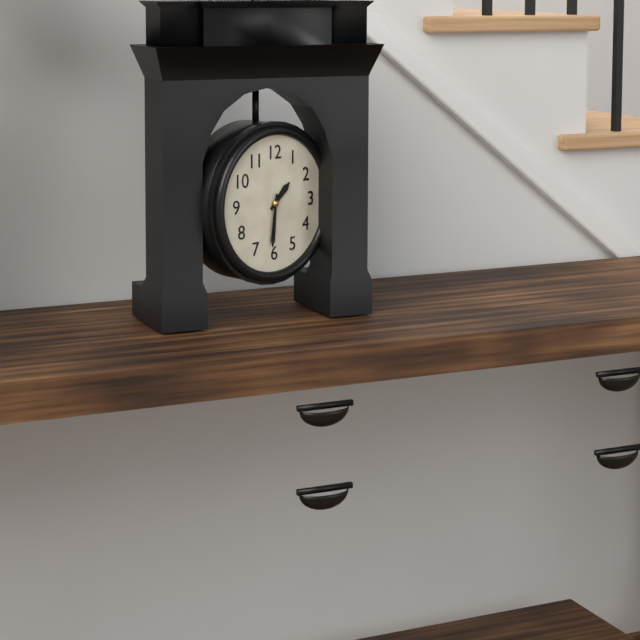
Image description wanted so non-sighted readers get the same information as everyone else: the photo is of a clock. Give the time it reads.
1:31
